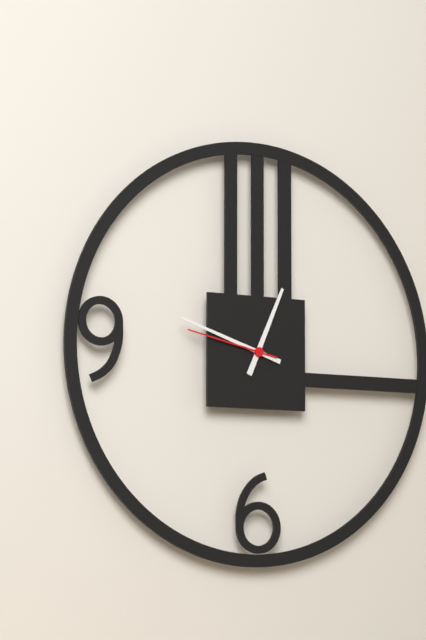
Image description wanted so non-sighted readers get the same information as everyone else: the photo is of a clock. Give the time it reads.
12:48:47
